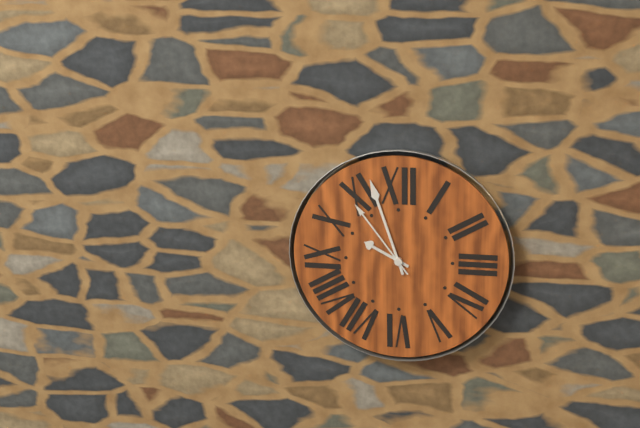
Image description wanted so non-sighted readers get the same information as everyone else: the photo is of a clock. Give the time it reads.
9:57:54
